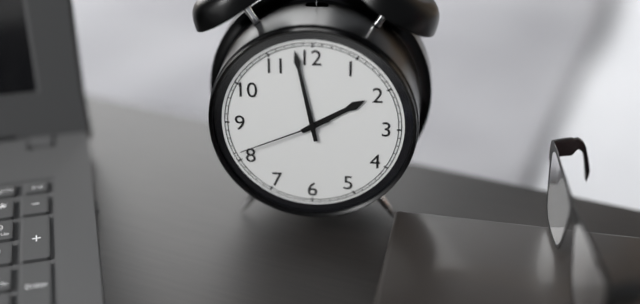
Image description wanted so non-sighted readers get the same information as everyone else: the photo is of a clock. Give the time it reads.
1:58:41
